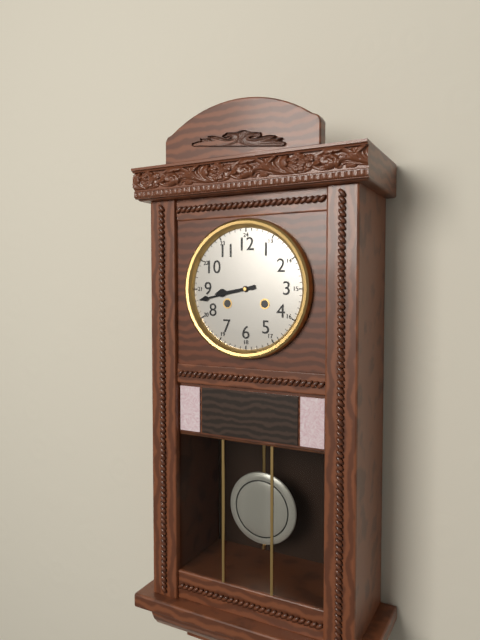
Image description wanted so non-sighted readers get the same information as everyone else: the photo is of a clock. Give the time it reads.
8:43
